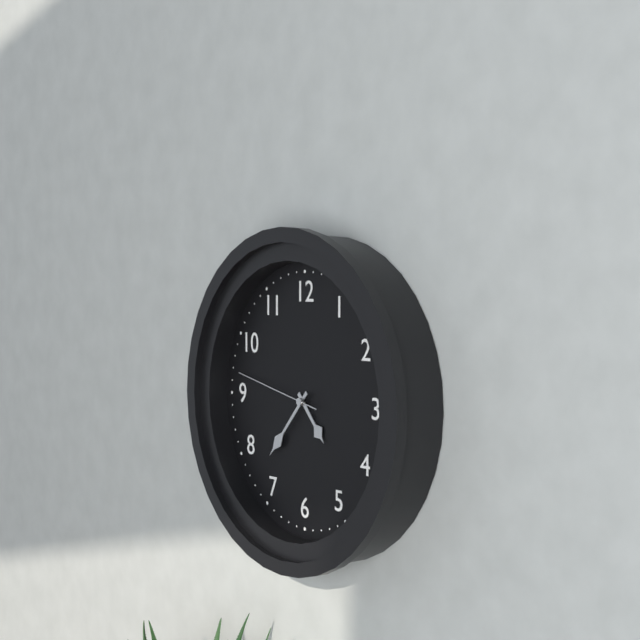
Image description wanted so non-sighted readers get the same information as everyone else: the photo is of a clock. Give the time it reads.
4:37:47
